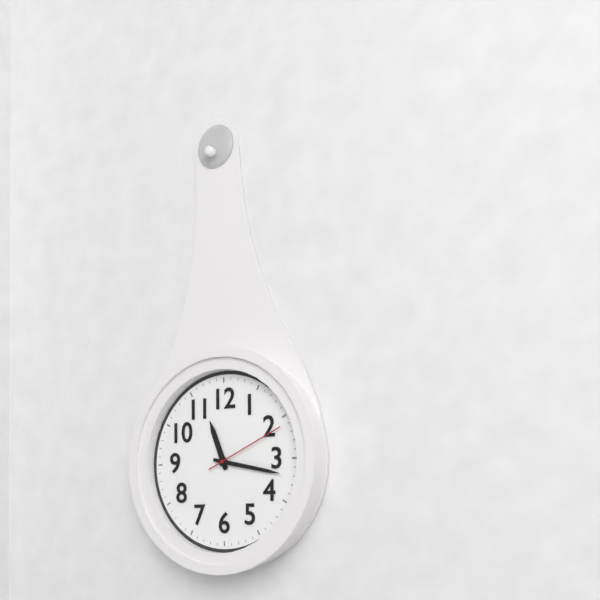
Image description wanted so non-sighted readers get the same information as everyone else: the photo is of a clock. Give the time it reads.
11:17:11
